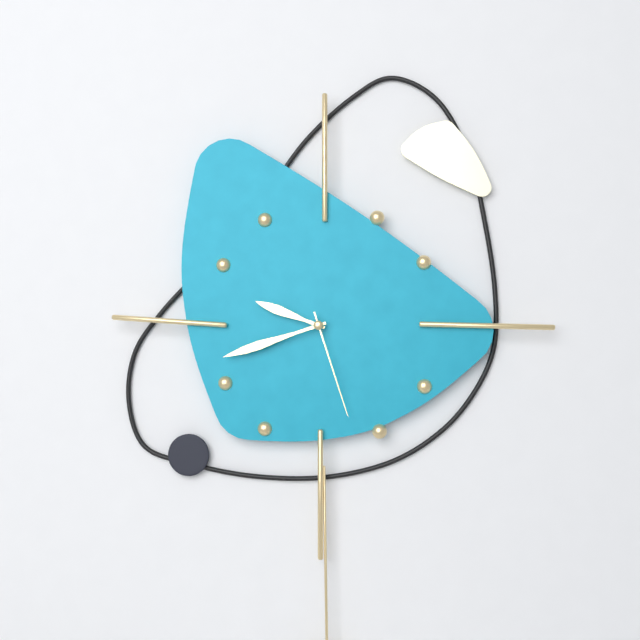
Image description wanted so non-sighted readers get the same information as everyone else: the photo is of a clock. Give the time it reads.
9:42:27
